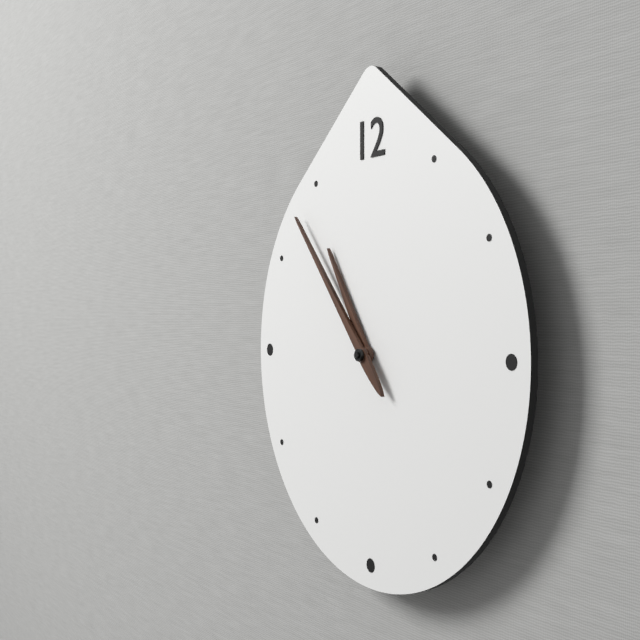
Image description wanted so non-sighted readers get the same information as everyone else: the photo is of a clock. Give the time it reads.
10:53
